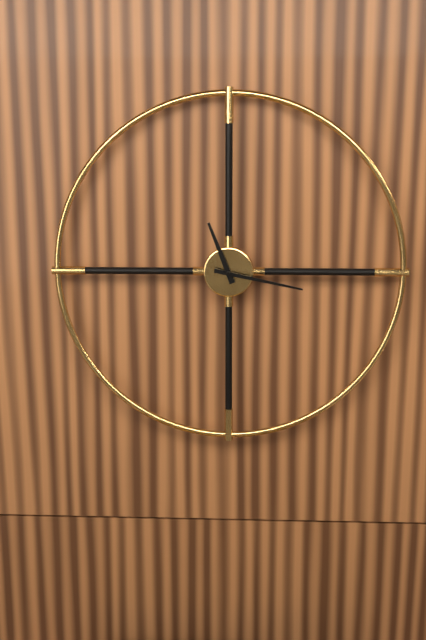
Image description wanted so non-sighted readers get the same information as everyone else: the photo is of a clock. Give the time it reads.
11:17
